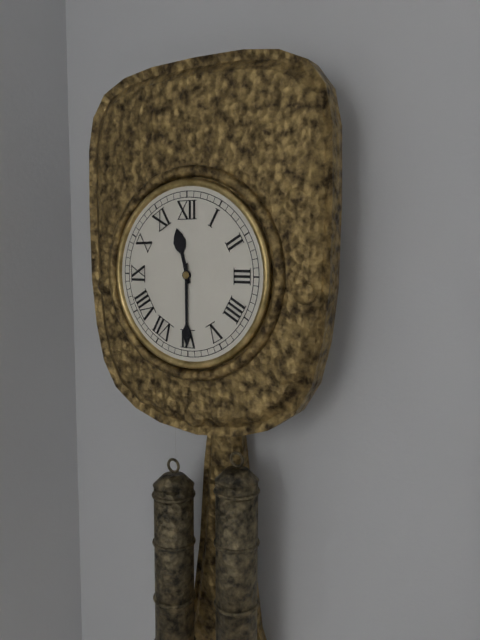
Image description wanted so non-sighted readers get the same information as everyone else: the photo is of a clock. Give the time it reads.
11:30
